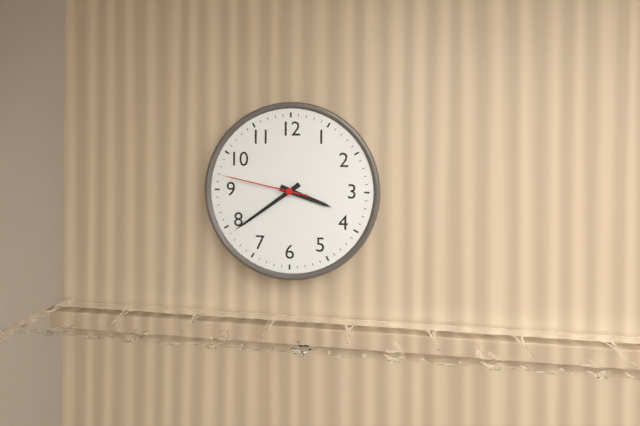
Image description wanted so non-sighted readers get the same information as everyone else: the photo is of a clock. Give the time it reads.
3:39:47
